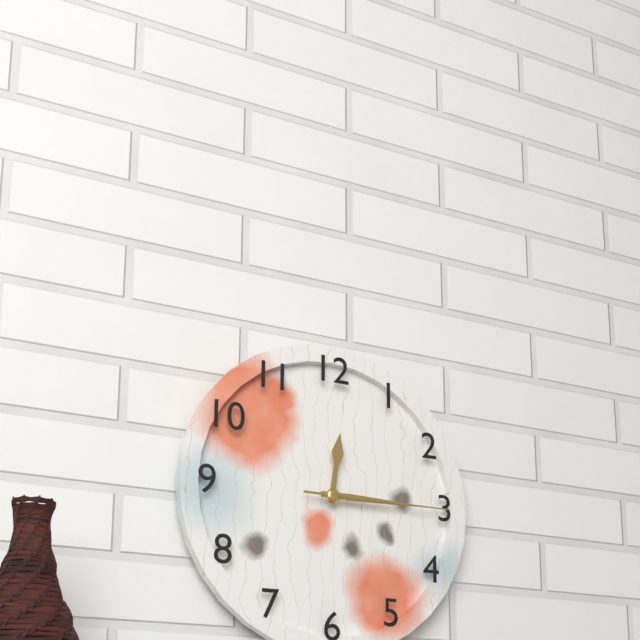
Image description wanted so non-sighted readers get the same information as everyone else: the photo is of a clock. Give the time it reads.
12:15:15
